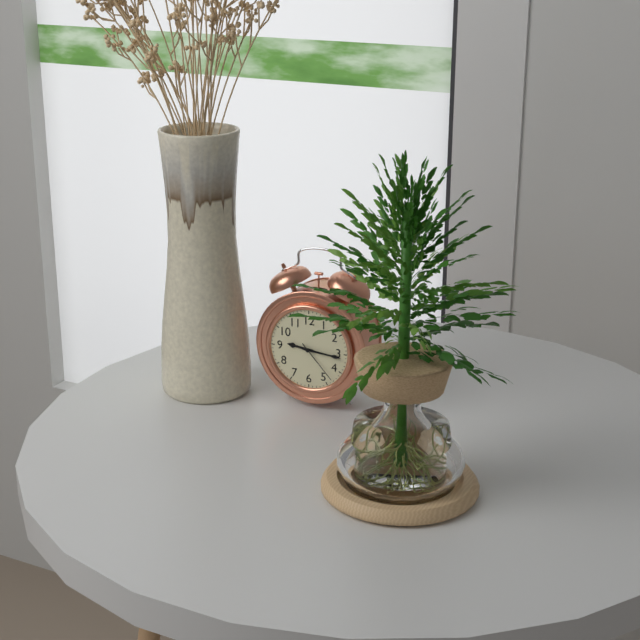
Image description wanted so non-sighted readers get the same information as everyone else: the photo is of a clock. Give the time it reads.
9:16
